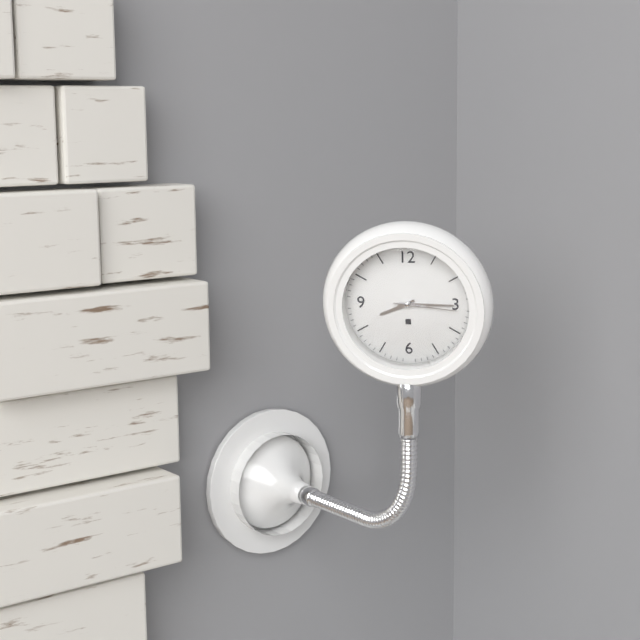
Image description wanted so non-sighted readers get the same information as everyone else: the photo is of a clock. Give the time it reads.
8:15:16
